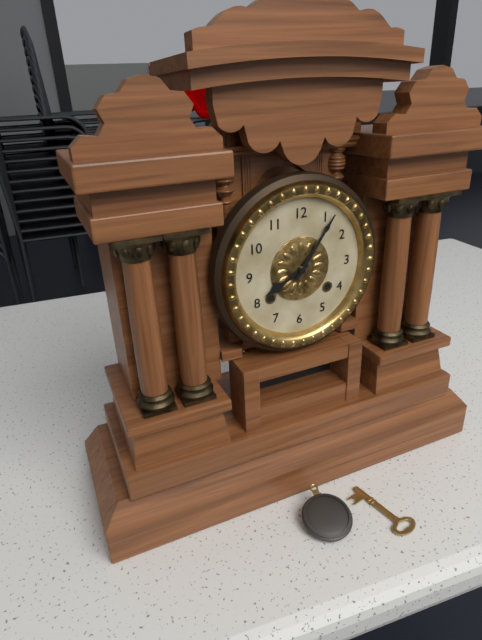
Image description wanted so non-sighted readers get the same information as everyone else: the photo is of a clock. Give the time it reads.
8:06
